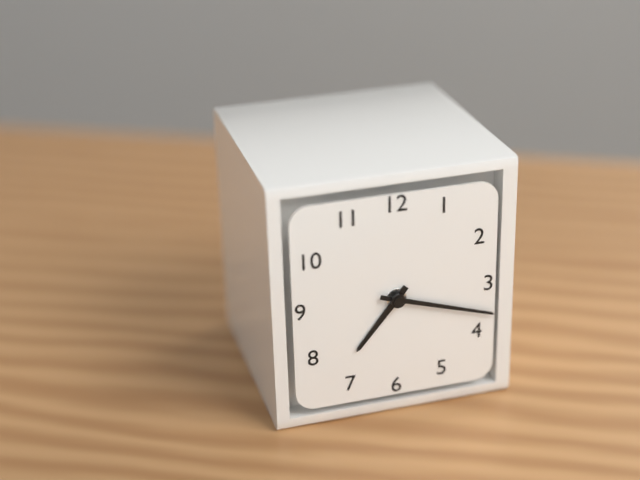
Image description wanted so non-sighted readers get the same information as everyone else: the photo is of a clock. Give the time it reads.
7:18
